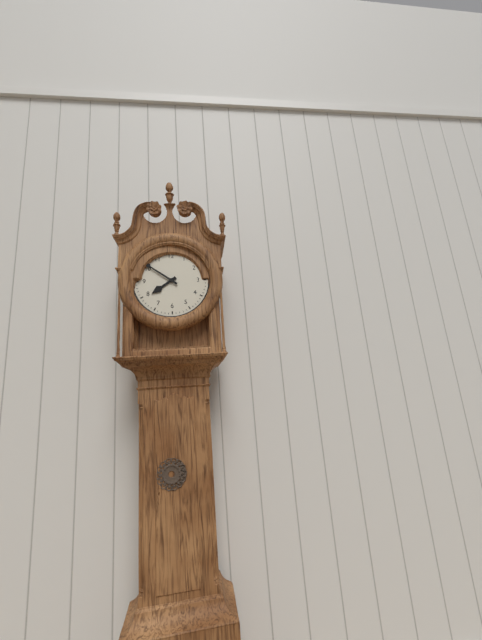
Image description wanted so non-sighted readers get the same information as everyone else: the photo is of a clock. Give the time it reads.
7:51
